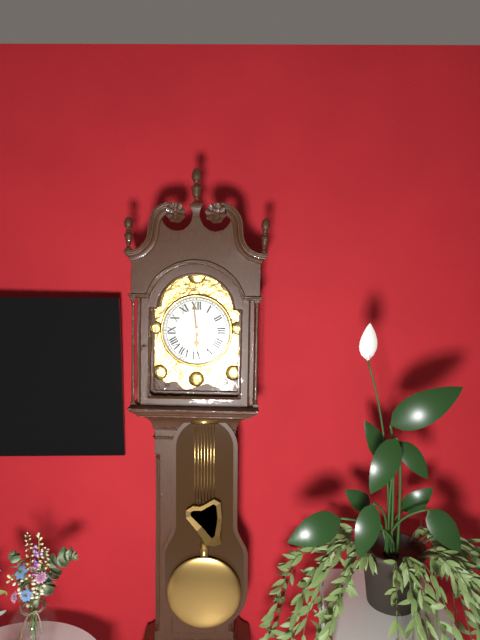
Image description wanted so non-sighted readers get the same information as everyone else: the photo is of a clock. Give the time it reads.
5:59
